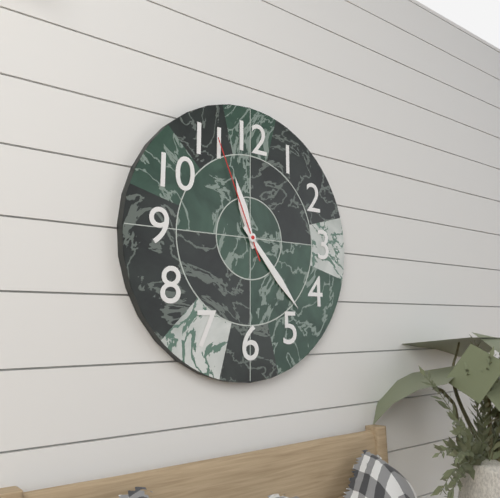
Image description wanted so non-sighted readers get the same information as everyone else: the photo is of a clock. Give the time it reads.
11:23:56
